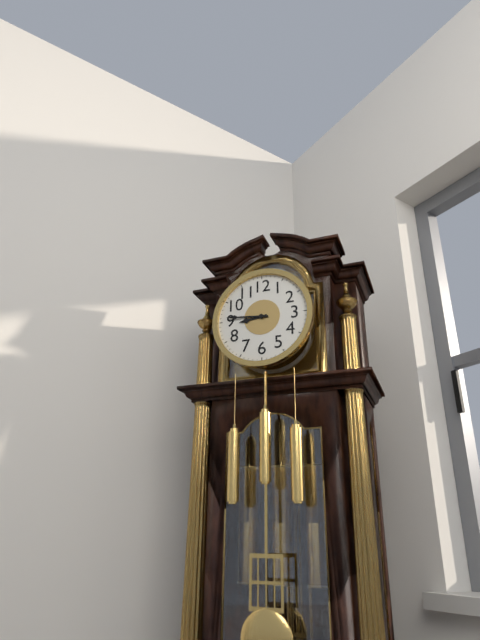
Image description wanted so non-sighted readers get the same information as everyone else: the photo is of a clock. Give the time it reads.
8:46
